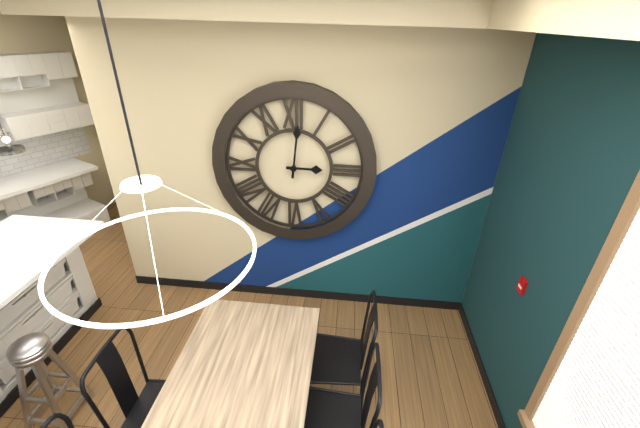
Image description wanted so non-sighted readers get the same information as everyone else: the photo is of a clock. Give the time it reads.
3:01
